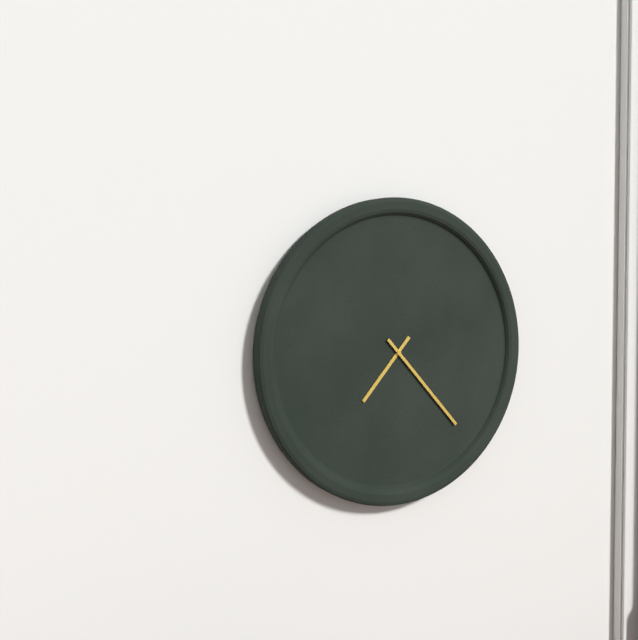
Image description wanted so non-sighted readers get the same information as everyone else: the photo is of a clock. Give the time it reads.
7:23
